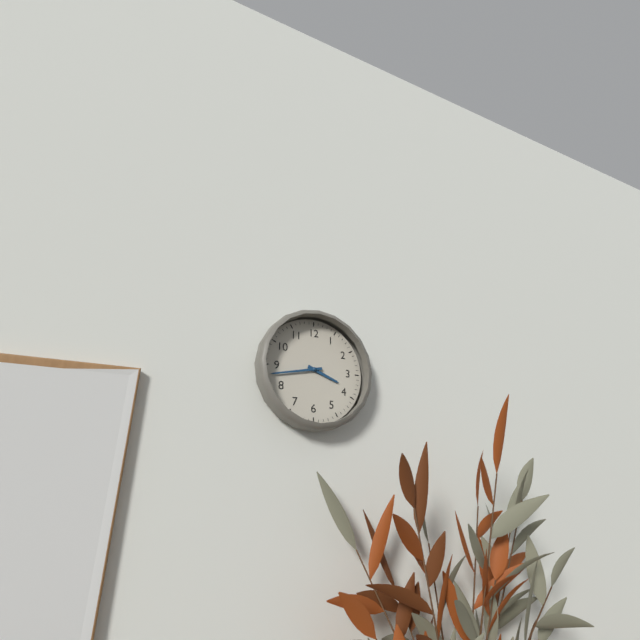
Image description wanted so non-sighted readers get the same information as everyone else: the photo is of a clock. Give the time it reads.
3:43
